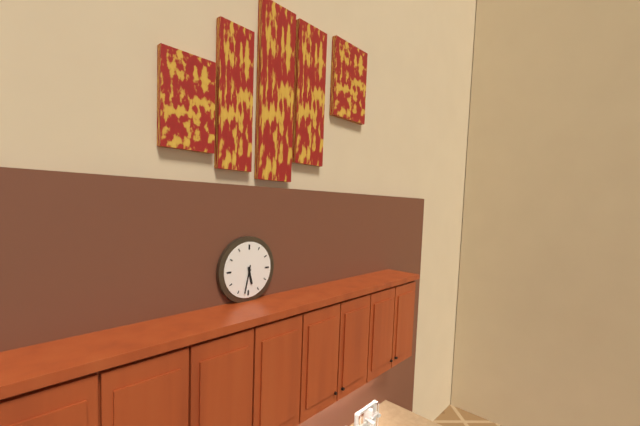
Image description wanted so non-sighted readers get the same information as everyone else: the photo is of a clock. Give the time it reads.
5:32
